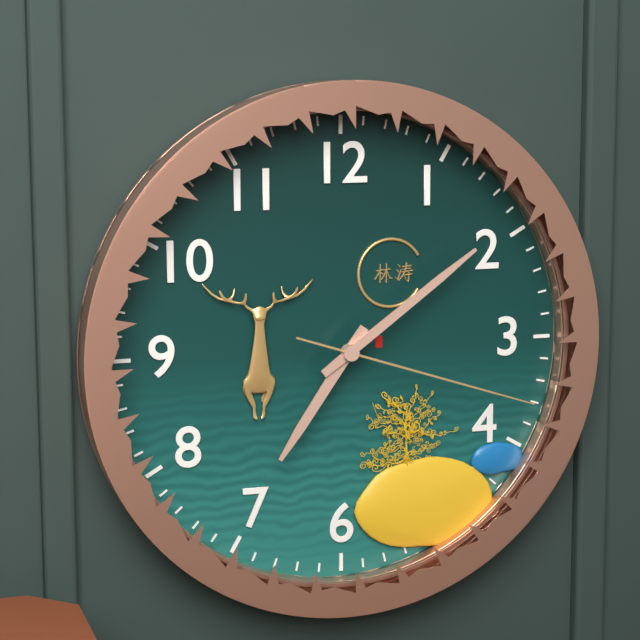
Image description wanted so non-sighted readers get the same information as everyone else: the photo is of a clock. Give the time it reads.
7:09:18
